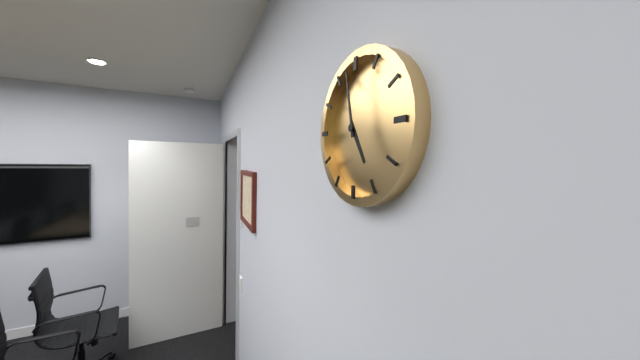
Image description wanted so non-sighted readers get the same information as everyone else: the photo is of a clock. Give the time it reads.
4:58
